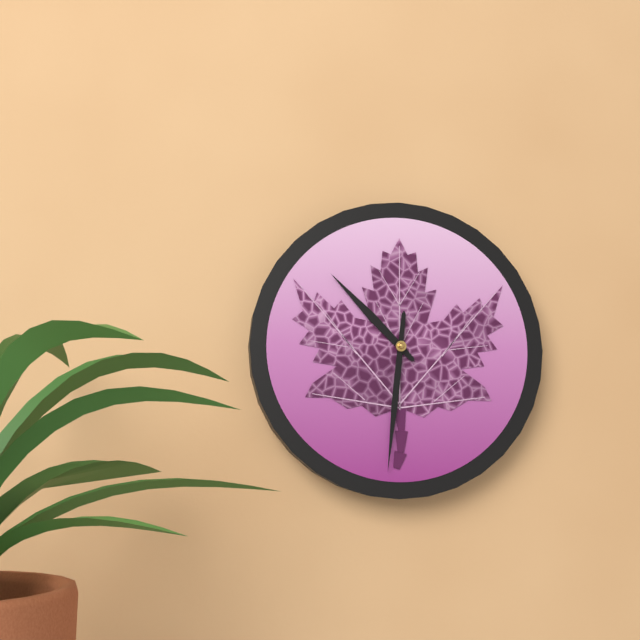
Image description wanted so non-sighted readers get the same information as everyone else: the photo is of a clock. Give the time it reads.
10:31
